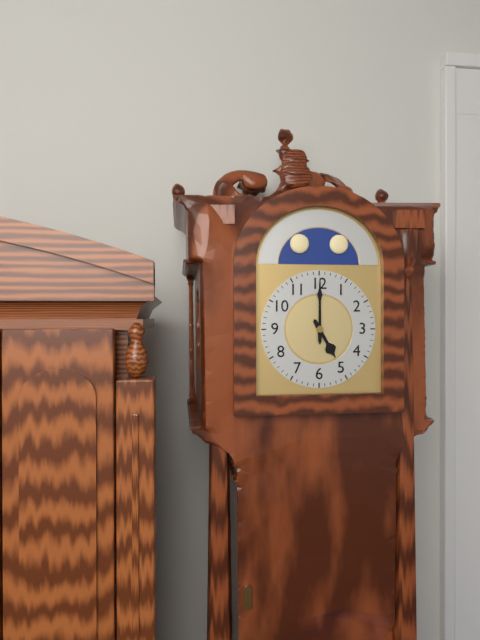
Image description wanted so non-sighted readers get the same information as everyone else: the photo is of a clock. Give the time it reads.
5:00
